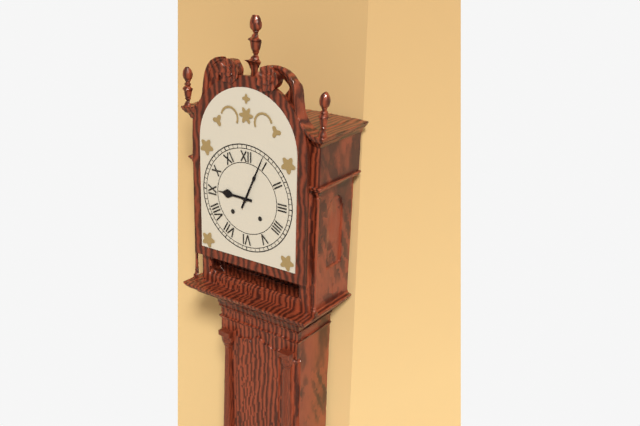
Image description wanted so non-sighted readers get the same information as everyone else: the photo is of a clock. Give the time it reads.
9:04
